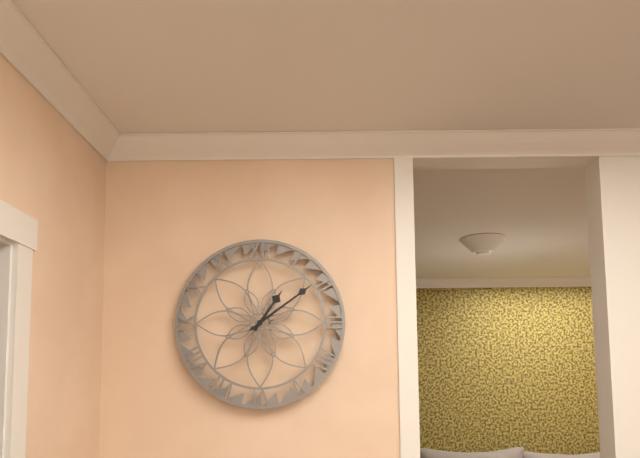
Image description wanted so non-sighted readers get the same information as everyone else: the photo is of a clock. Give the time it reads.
1:09
